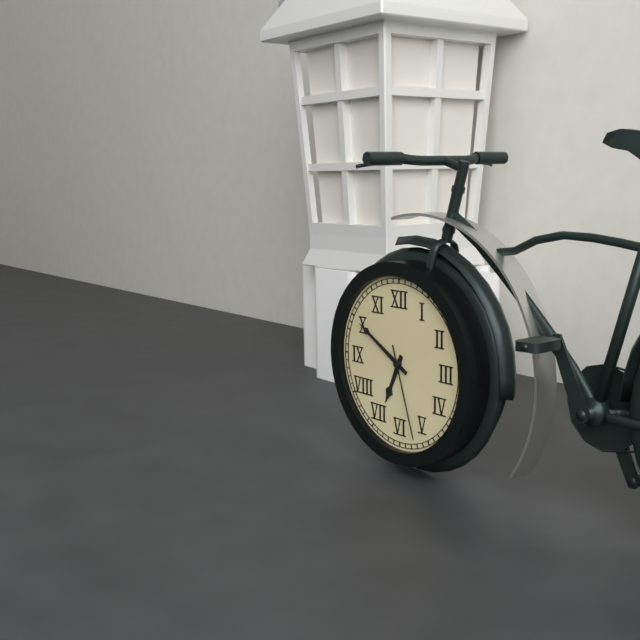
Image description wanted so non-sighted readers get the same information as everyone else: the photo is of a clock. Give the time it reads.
6:50:27
